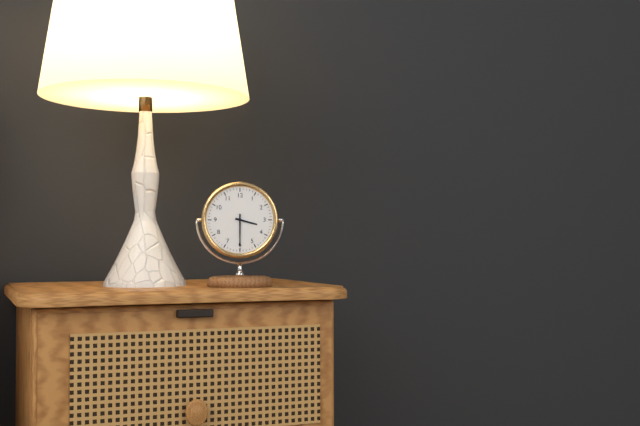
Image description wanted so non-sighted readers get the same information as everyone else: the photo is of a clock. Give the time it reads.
3:30
